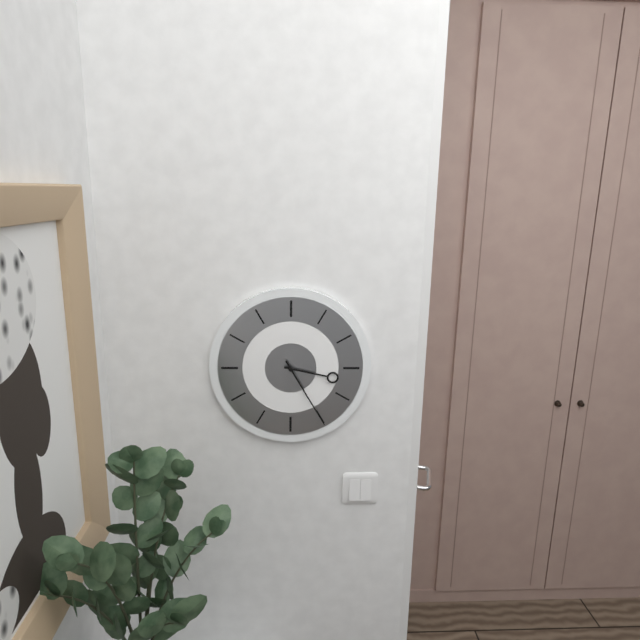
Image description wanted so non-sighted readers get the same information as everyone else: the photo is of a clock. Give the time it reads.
3:25
